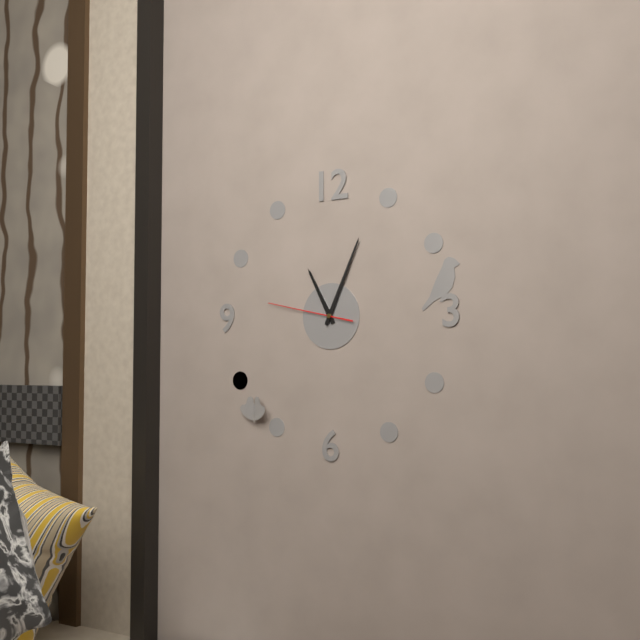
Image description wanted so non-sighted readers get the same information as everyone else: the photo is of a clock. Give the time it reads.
11:04:47
